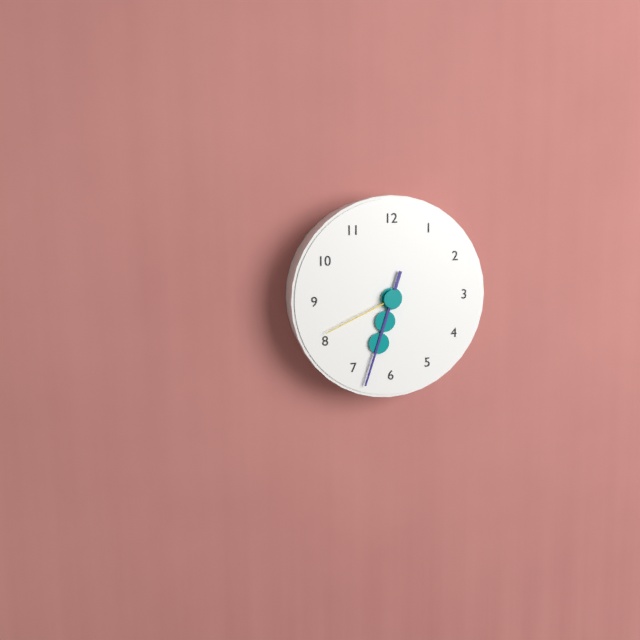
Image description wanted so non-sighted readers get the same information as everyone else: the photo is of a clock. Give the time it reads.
6:33:41
